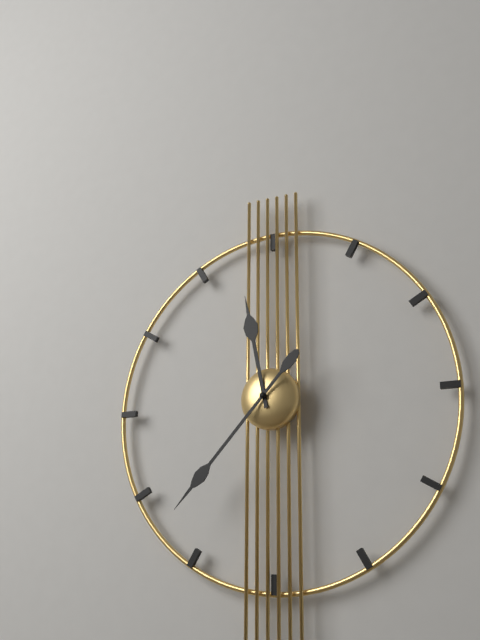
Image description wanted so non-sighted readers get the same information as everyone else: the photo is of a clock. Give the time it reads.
11:37
